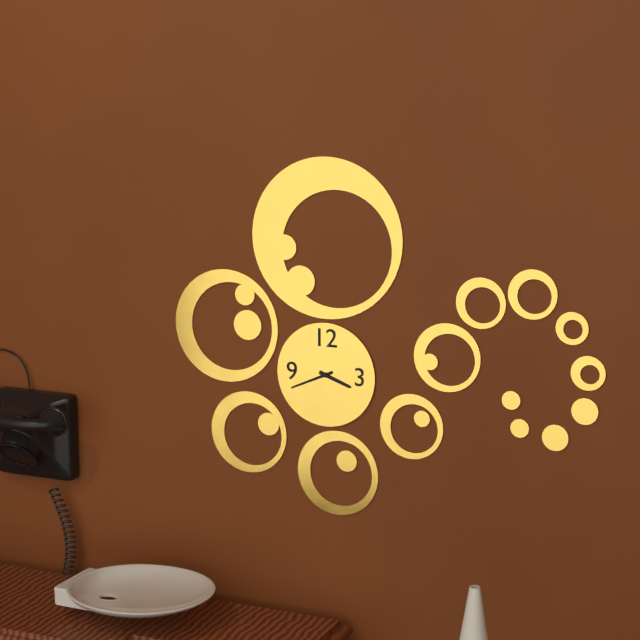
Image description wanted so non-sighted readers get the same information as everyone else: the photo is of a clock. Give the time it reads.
3:41
